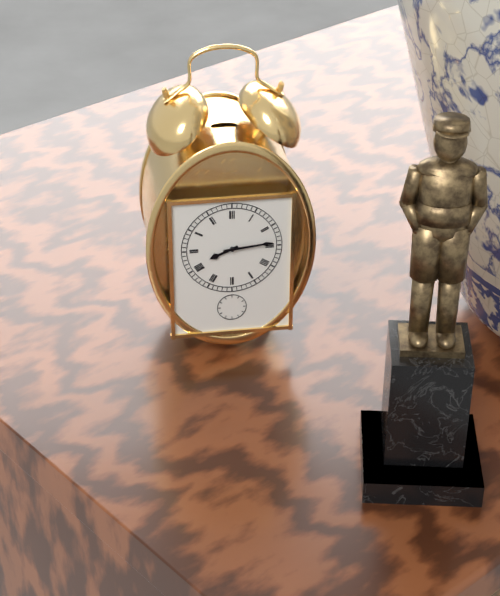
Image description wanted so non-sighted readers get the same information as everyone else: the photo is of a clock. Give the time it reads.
8:14
